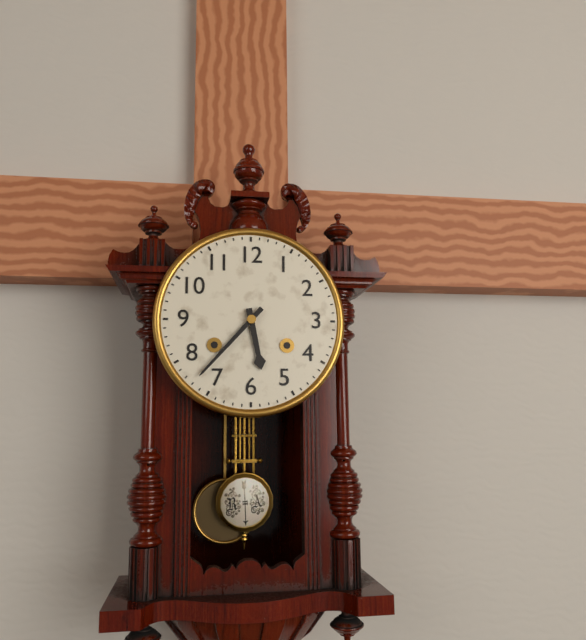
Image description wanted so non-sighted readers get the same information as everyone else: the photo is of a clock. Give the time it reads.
5:37
